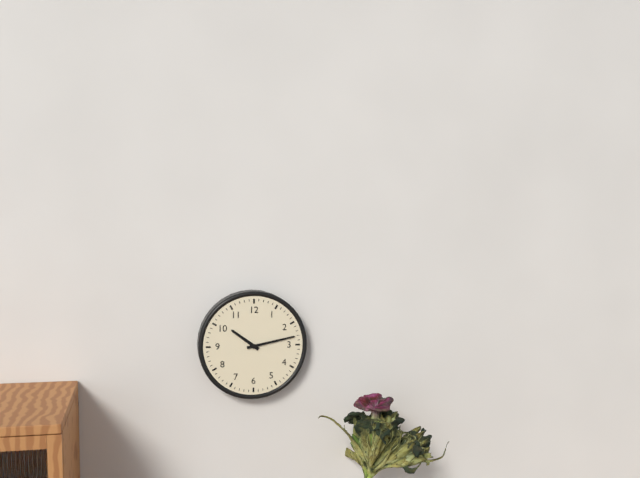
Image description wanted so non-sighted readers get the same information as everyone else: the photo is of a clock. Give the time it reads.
10:13
